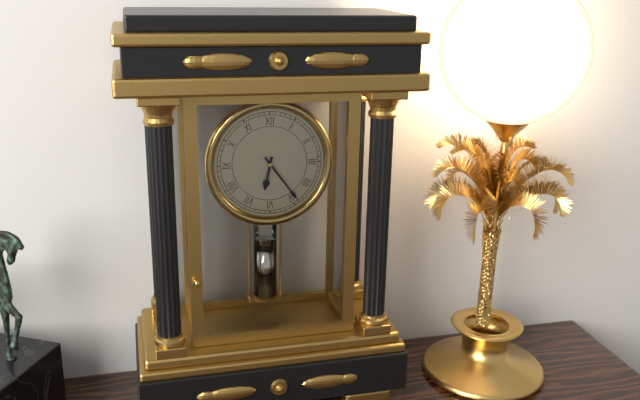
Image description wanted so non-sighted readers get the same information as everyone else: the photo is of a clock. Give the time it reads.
6:24
